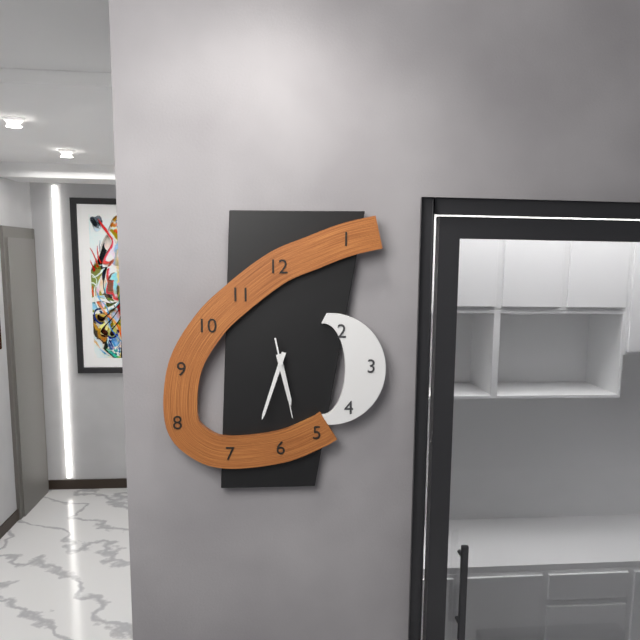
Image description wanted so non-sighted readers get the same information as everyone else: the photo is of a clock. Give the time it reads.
5:33:28
